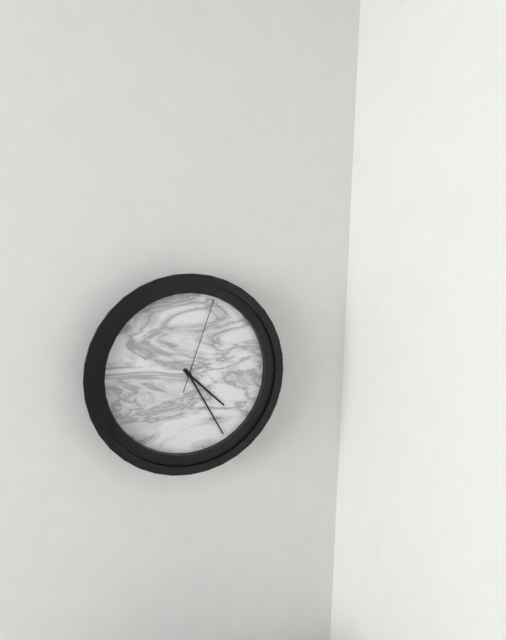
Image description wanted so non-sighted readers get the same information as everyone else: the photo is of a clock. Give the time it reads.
4:25:03
